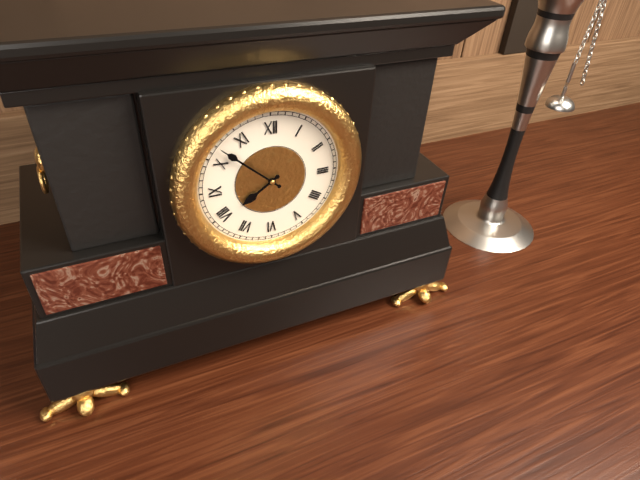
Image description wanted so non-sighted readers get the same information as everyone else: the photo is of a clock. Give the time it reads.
7:52
